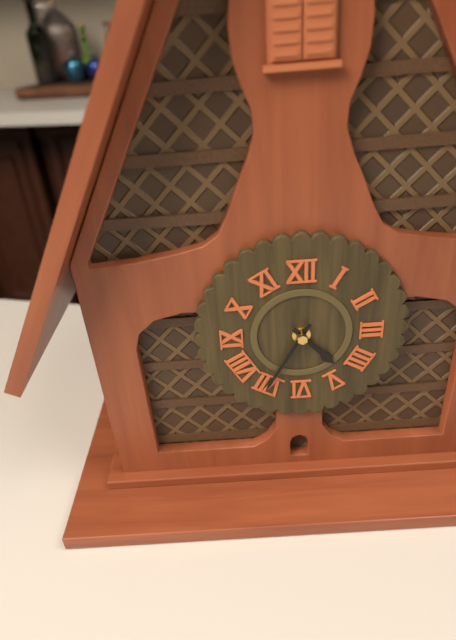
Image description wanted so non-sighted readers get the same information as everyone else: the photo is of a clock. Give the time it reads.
4:35
